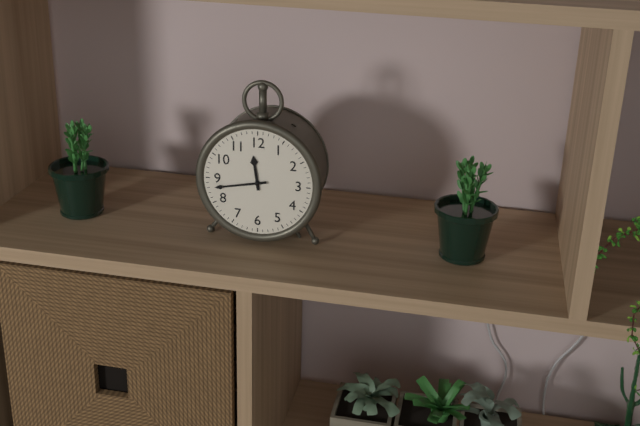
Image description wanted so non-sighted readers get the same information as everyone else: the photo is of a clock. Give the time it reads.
11:43
